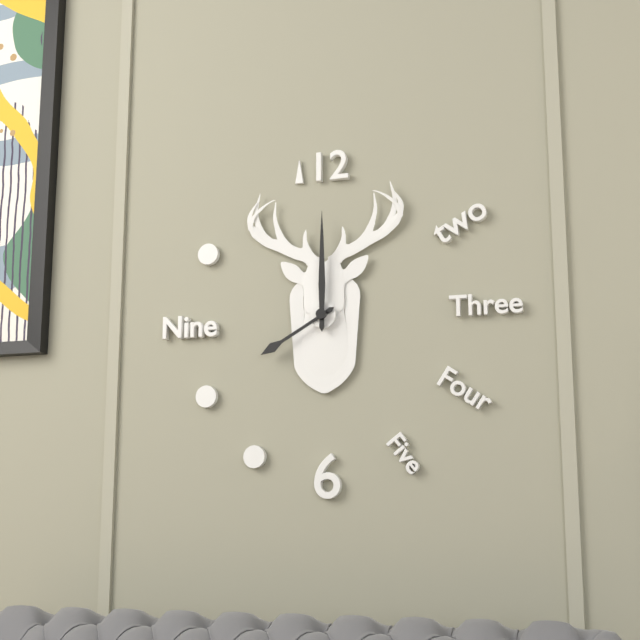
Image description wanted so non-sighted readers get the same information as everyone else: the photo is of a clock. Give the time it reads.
8:00
